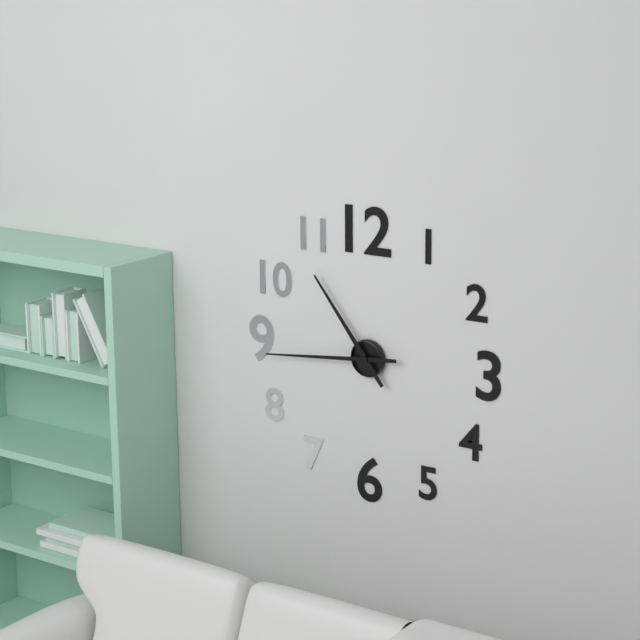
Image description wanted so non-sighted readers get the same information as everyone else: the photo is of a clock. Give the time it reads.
10:44
